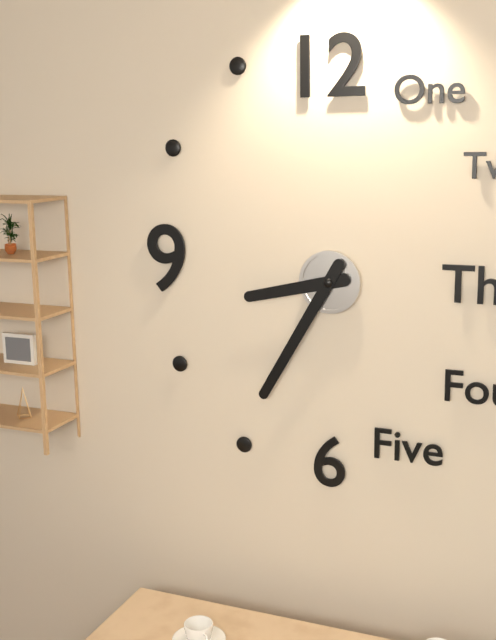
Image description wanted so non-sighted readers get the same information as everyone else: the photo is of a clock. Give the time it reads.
8:35
